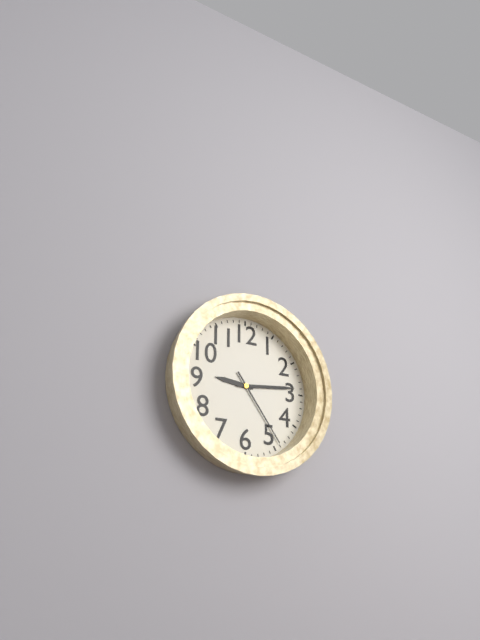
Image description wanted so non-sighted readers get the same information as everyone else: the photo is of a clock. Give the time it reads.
9:14:24
